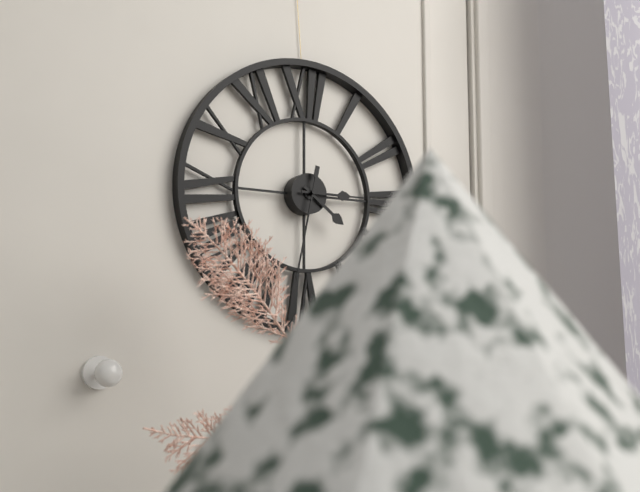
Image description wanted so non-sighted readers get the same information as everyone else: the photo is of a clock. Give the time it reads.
4:15:32
